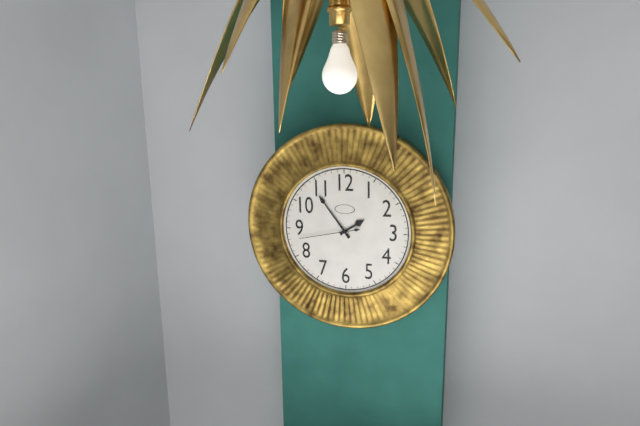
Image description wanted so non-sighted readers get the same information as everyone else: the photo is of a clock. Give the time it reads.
1:54:43
